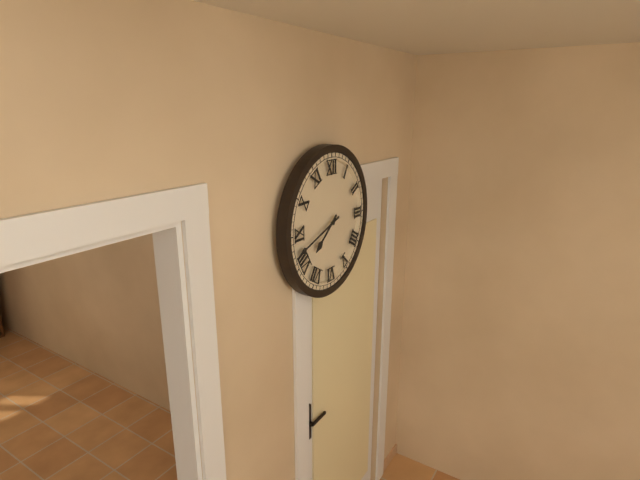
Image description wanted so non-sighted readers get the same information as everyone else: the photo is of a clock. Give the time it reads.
7:42
